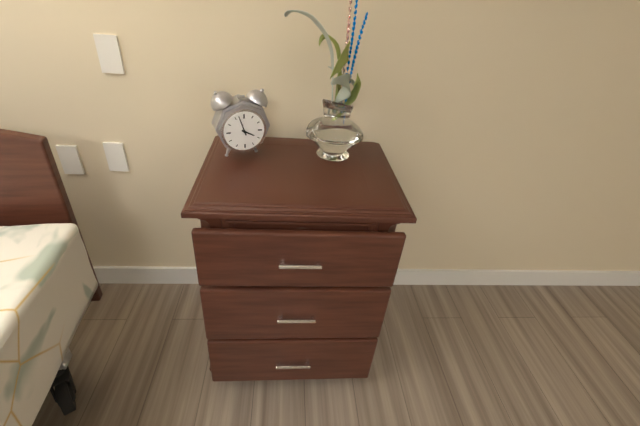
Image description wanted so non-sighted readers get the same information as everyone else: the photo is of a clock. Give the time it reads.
3:57
